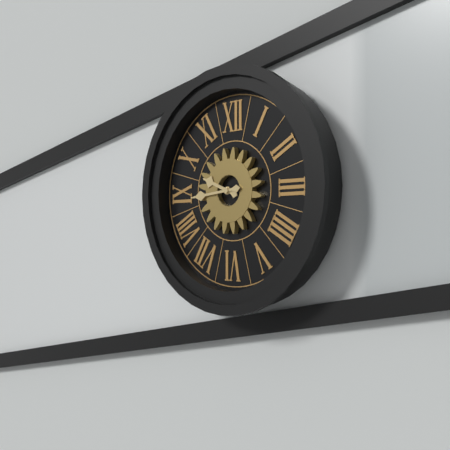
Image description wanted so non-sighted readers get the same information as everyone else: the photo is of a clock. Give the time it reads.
9:44
